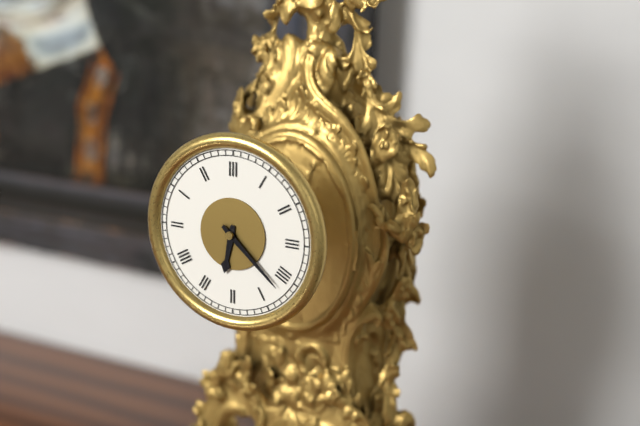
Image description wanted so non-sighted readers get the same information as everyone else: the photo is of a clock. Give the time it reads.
6:22
